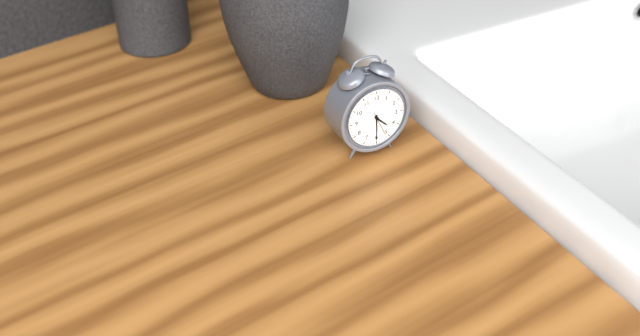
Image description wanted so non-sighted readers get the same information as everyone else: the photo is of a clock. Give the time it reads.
4:30
